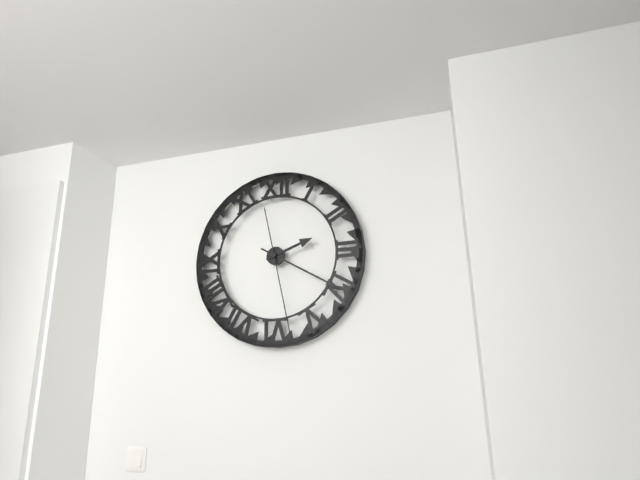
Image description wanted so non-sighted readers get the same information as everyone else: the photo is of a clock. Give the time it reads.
2:20:28
